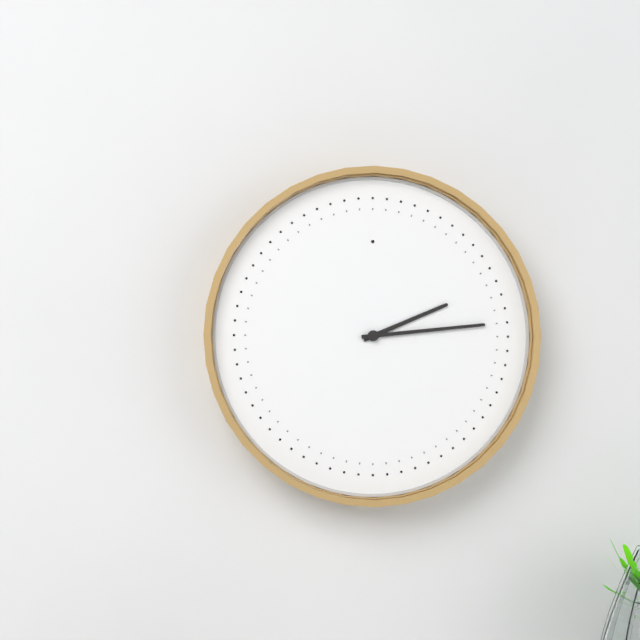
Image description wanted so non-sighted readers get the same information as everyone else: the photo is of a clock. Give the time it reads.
2:14
